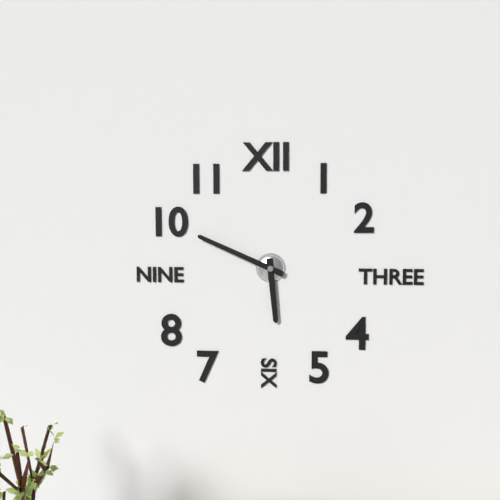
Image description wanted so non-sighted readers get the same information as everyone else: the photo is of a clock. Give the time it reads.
5:49
